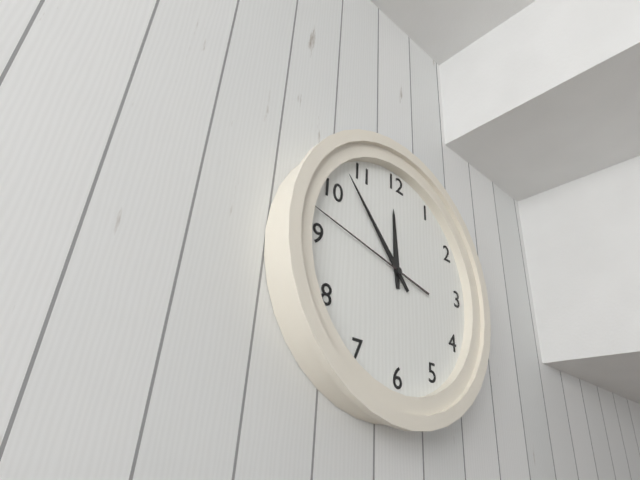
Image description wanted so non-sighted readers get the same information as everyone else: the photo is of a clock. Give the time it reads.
11:53:47
